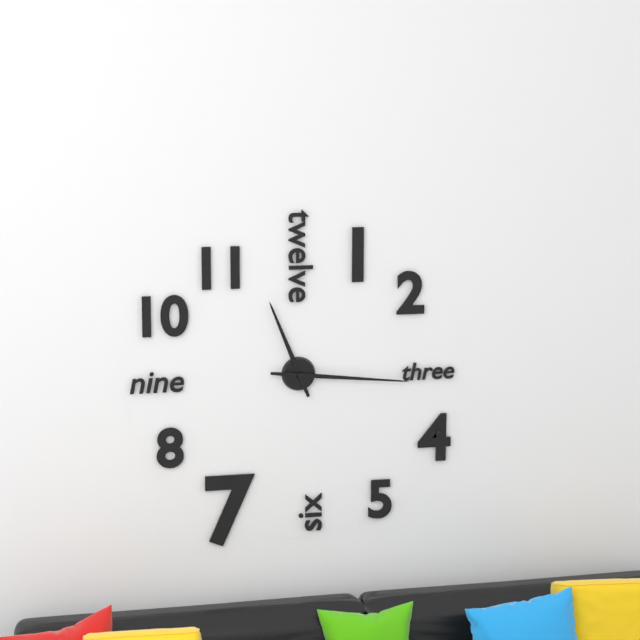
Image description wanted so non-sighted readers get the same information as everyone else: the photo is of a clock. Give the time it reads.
11:16
